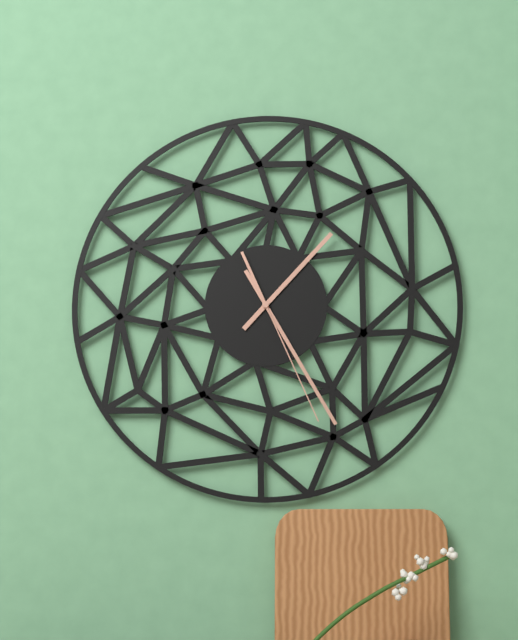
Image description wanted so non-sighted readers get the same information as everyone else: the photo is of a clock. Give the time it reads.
1:25:26
